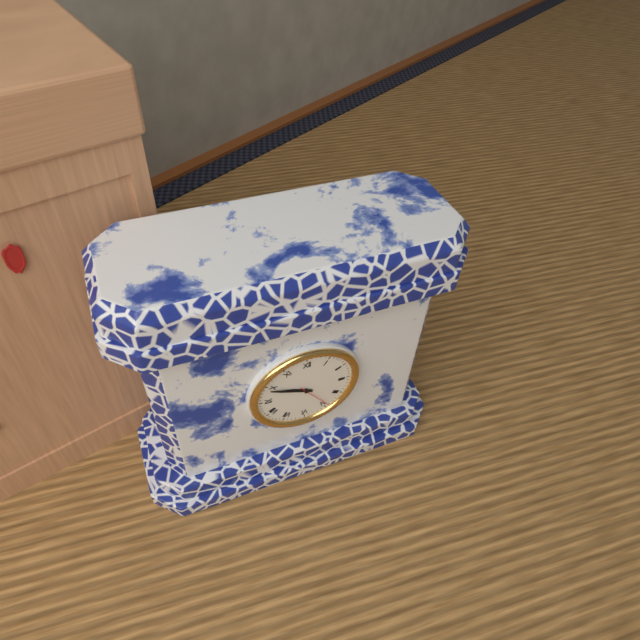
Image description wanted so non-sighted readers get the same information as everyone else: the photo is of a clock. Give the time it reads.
9:49:24
